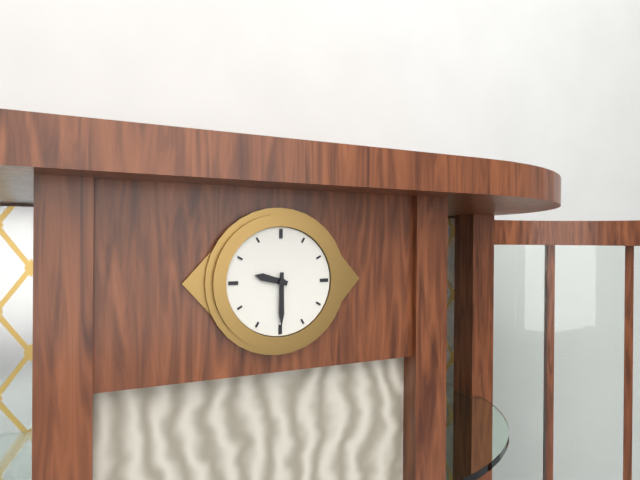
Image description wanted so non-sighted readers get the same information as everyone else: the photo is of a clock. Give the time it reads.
9:30
